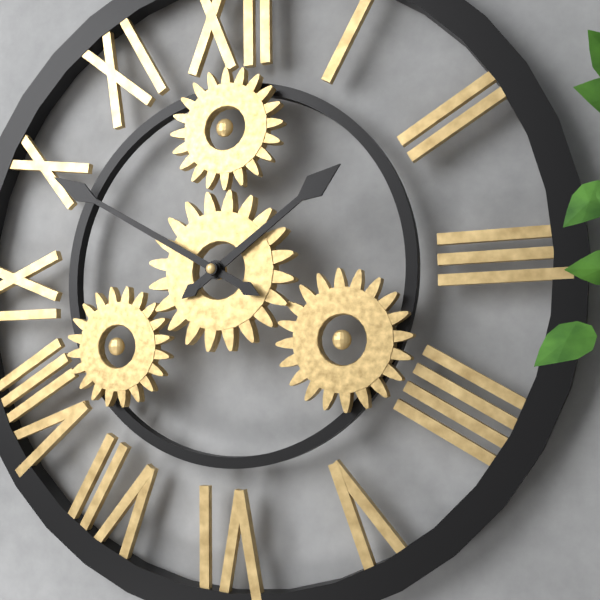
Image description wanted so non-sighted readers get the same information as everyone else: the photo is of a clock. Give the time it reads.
1:50
